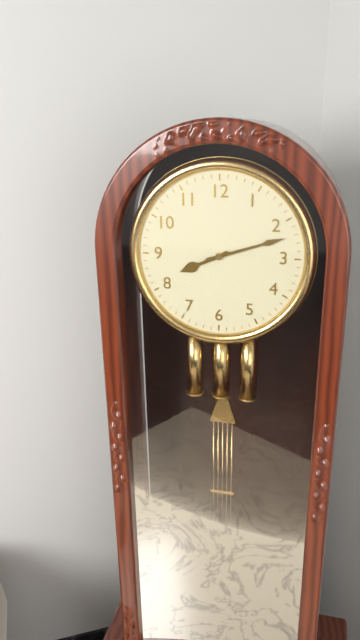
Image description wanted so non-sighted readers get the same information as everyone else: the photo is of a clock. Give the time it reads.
8:12
